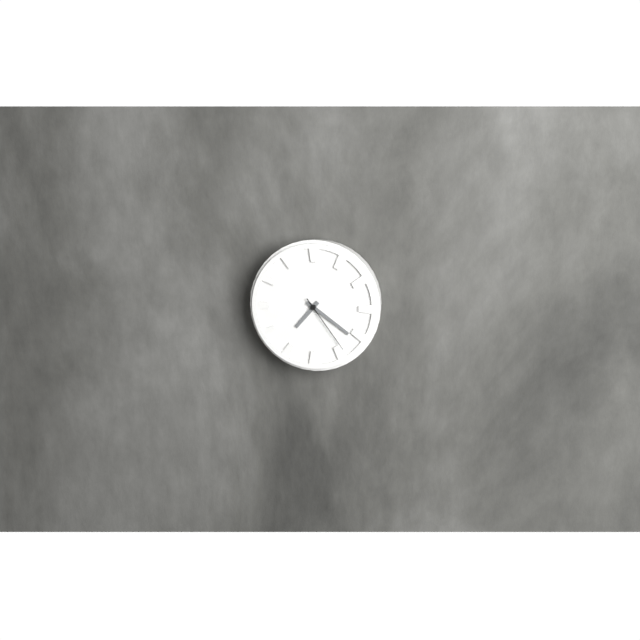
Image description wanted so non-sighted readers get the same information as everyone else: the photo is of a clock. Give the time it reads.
7:21:24
